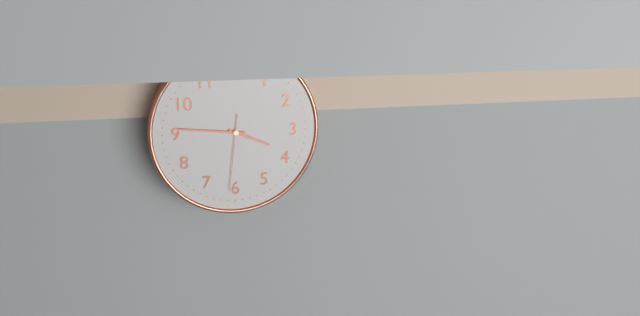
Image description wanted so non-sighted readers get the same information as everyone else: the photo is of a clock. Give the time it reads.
3:46:31
